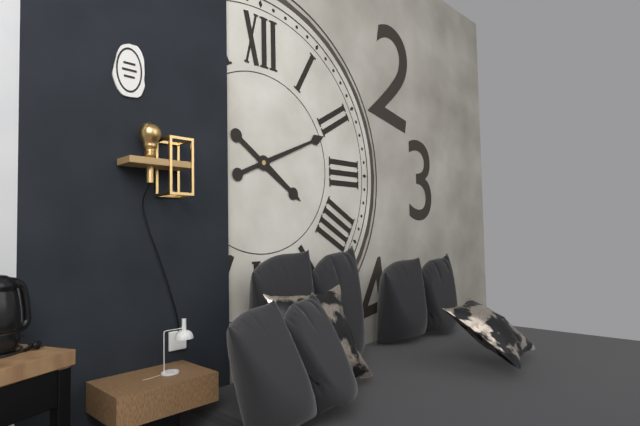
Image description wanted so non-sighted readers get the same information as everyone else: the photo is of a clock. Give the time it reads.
4:11
